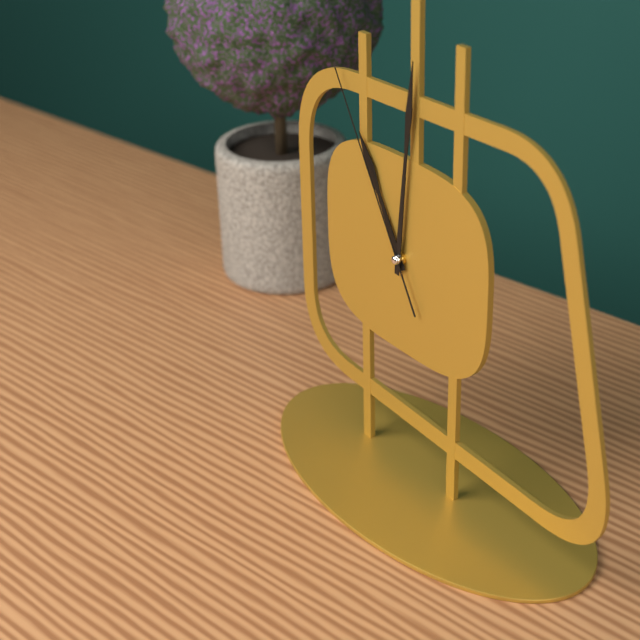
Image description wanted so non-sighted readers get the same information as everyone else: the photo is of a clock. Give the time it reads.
11:01:55
